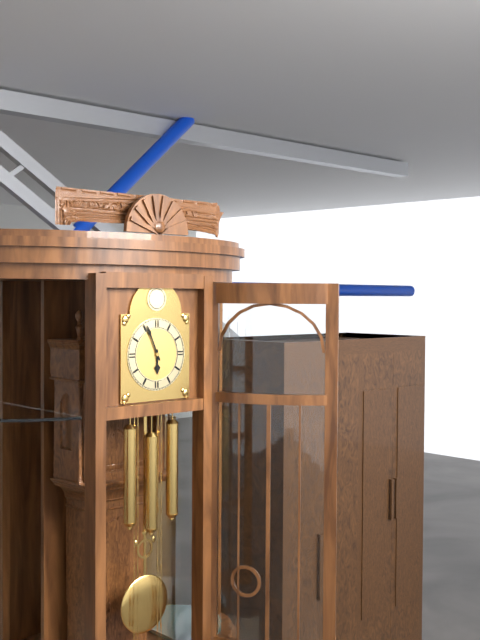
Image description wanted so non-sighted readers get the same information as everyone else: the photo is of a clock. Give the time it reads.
5:56
